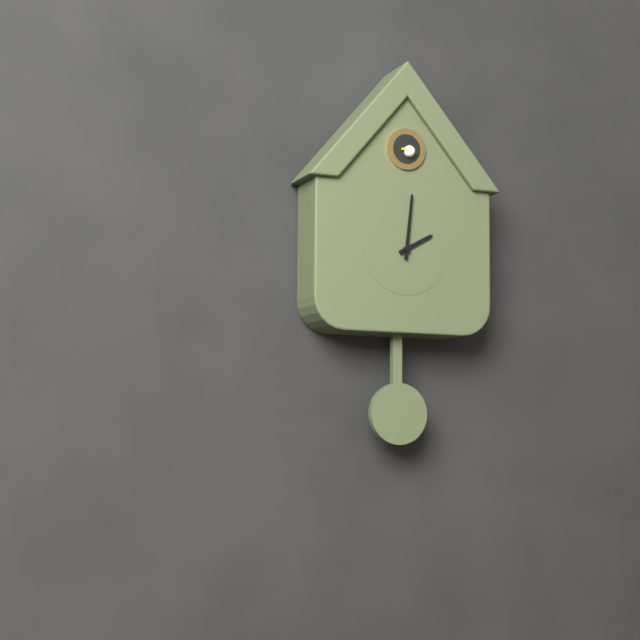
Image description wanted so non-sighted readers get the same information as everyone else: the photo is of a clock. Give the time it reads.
2:01
